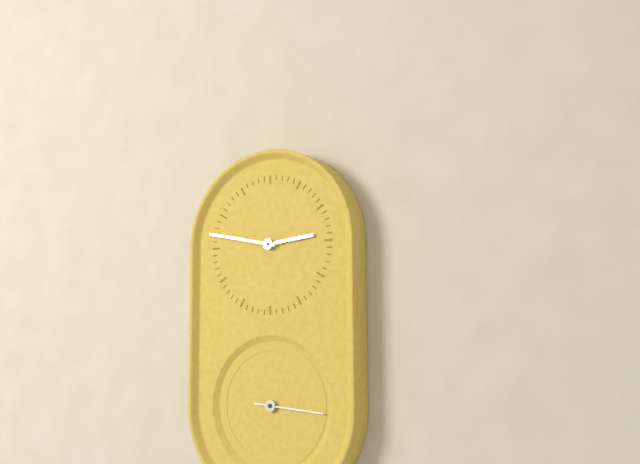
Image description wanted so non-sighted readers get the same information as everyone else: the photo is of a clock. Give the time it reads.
2:47:16
